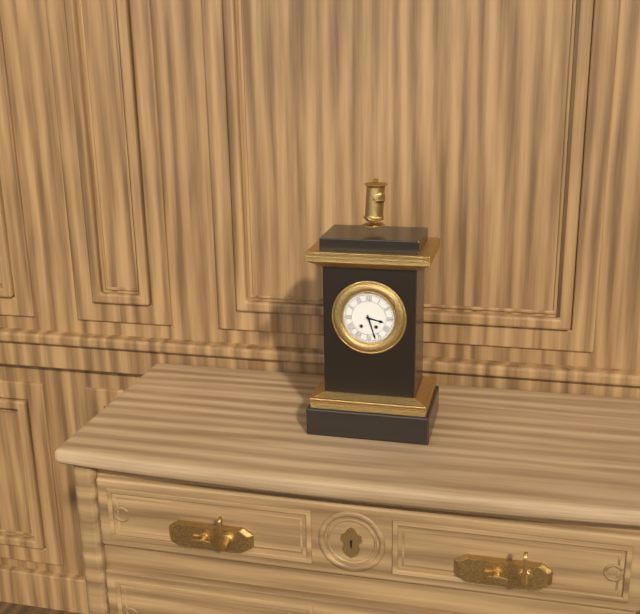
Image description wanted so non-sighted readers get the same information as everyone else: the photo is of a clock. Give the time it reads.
3:27
